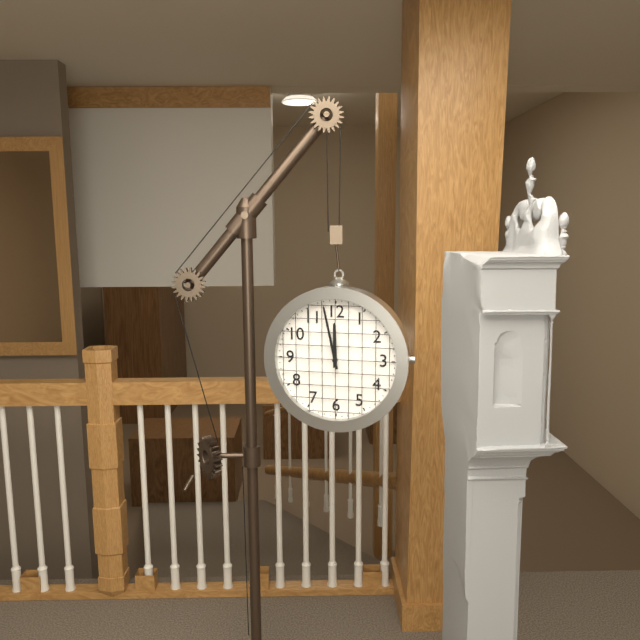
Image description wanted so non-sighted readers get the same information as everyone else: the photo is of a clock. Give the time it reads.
11:58
